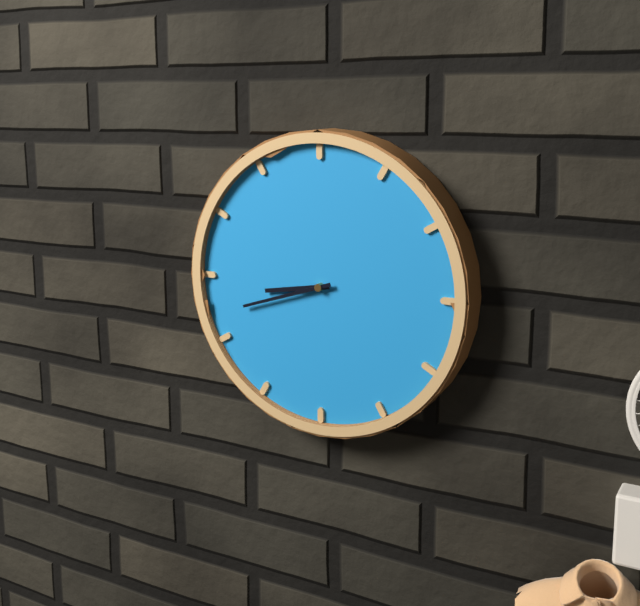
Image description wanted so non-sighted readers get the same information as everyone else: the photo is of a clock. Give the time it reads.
8:42
